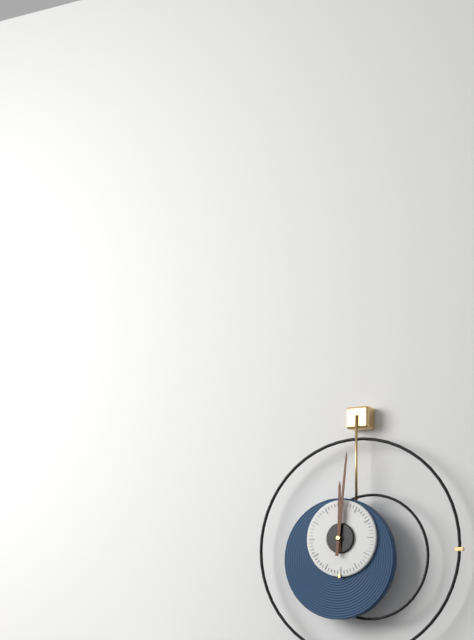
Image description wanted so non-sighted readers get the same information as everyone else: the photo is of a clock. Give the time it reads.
12:01
